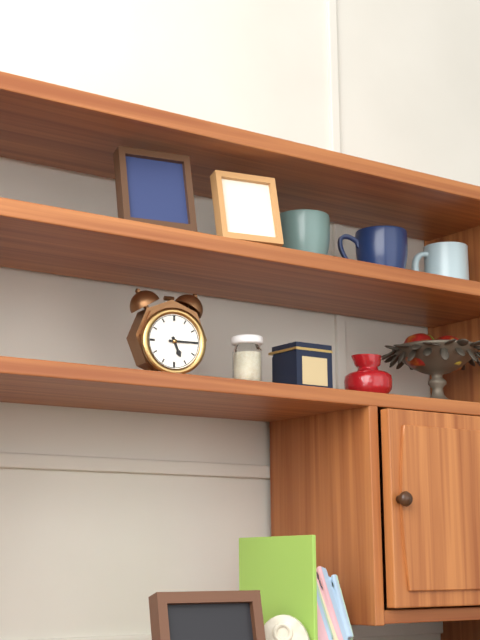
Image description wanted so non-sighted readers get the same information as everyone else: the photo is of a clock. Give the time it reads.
5:15
